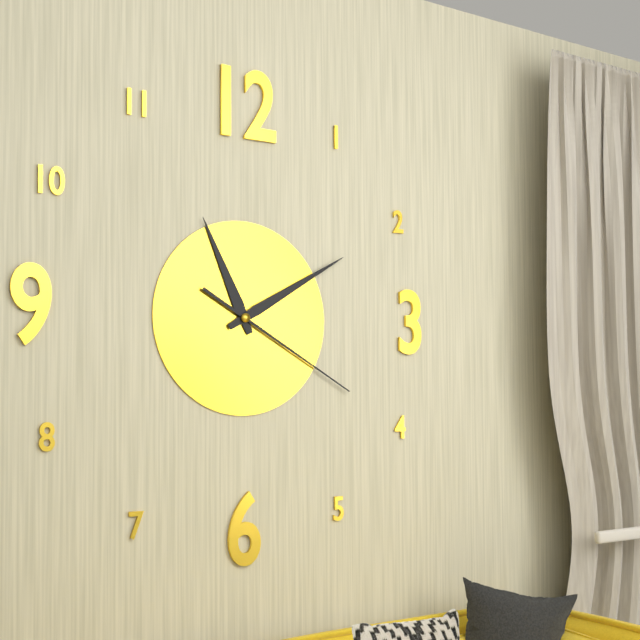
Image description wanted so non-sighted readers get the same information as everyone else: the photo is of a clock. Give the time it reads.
11:10:20
